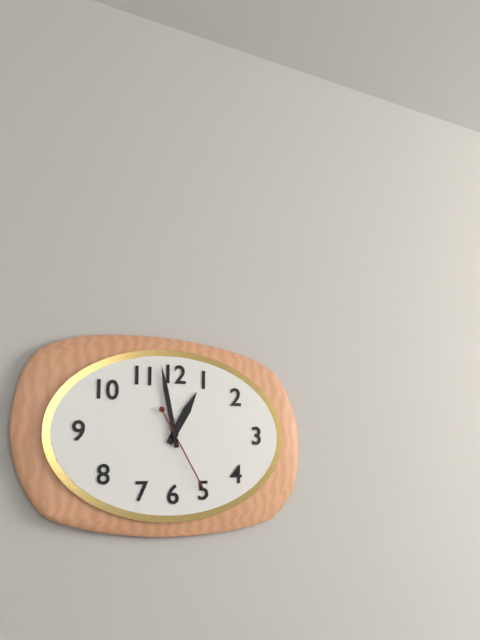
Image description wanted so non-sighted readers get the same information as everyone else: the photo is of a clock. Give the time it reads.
12:58:25
